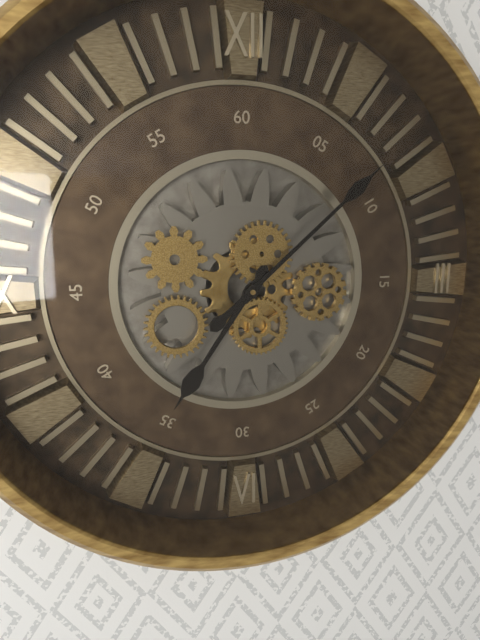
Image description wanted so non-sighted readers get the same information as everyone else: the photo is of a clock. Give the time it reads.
7:08
